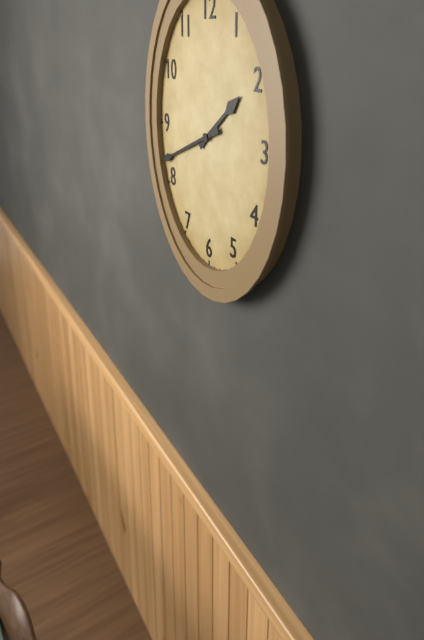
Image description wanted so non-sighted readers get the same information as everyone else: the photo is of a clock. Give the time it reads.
1:41
